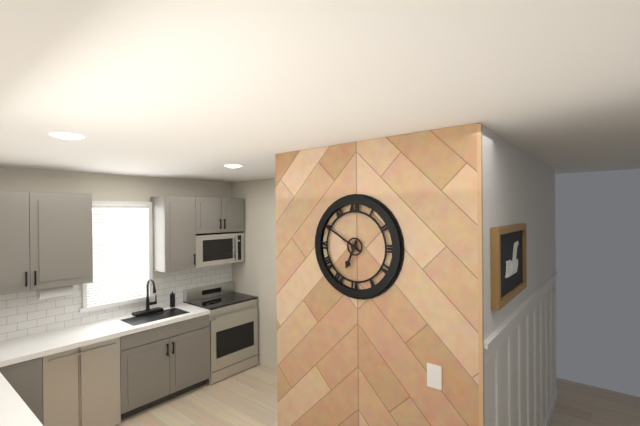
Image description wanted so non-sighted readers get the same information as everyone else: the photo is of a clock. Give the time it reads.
6:50
